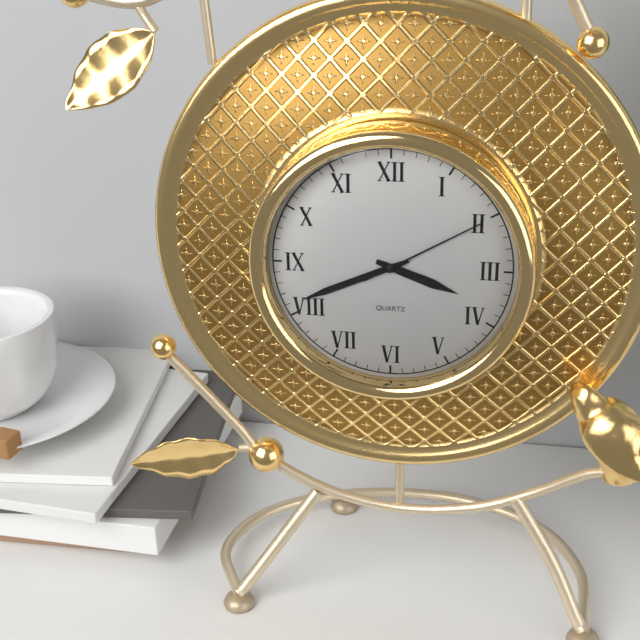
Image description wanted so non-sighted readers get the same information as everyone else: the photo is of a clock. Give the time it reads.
3:41:10
